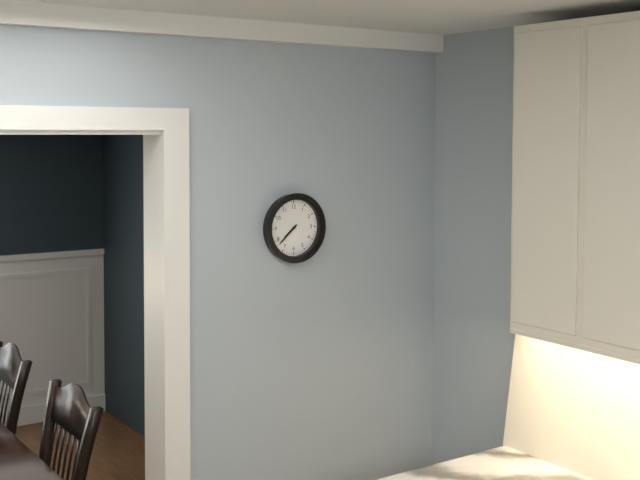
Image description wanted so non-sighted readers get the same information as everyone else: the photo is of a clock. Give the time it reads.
7:38
